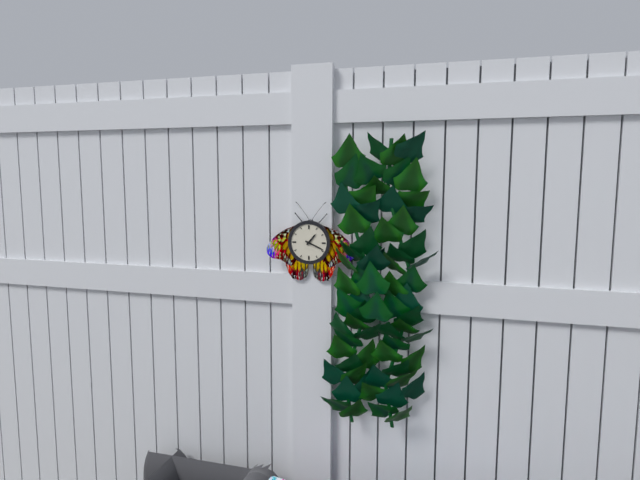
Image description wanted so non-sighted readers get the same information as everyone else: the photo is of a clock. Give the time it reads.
1:19
